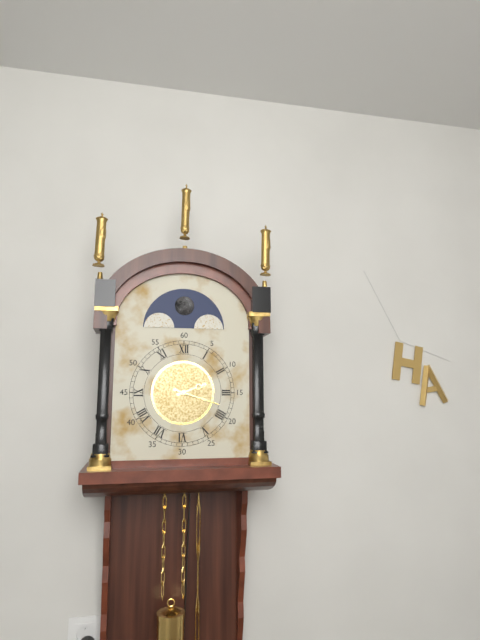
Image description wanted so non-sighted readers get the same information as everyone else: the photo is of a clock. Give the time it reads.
2:18
